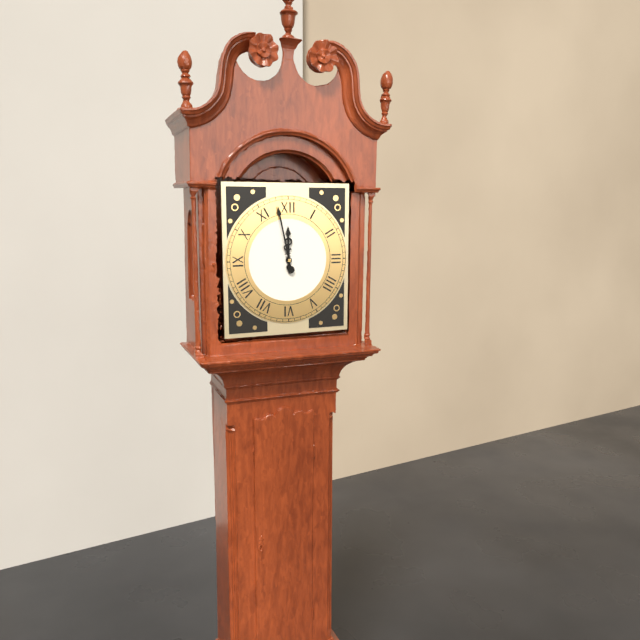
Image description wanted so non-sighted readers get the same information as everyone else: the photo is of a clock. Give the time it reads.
11:58
